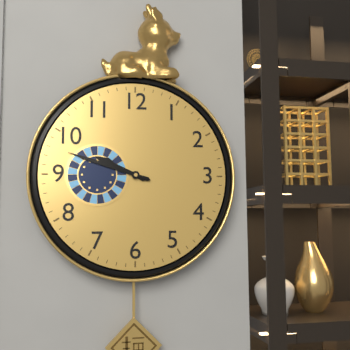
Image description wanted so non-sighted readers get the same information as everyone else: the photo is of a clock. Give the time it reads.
9:48
